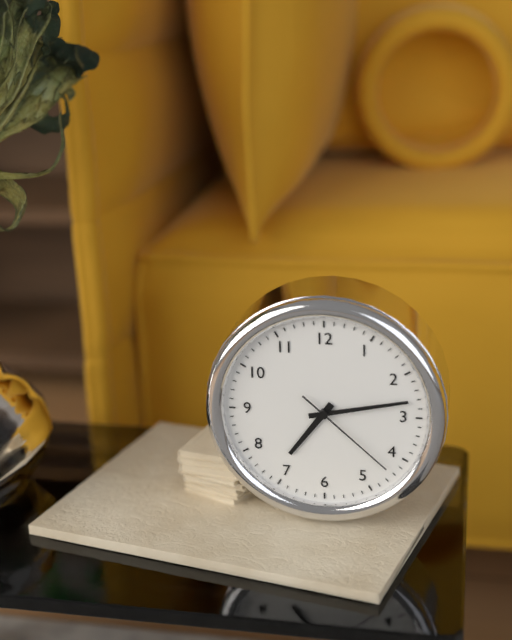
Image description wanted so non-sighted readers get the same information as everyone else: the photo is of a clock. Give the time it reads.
7:13:22
